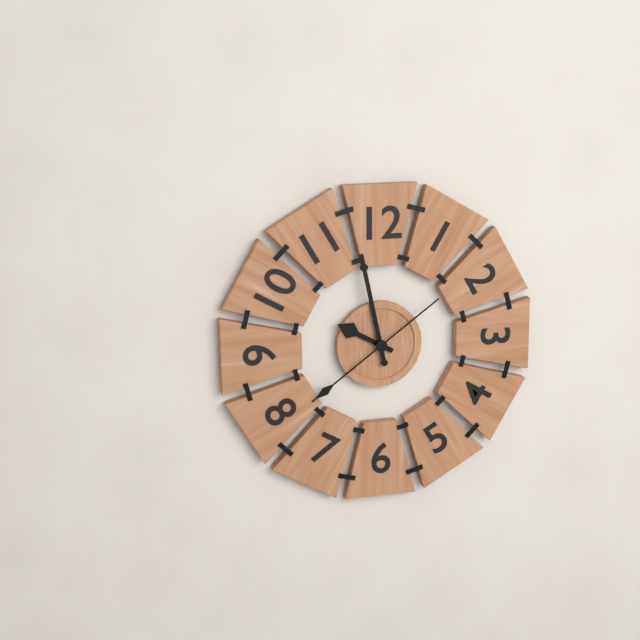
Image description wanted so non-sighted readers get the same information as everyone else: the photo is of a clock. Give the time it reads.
9:58:39
